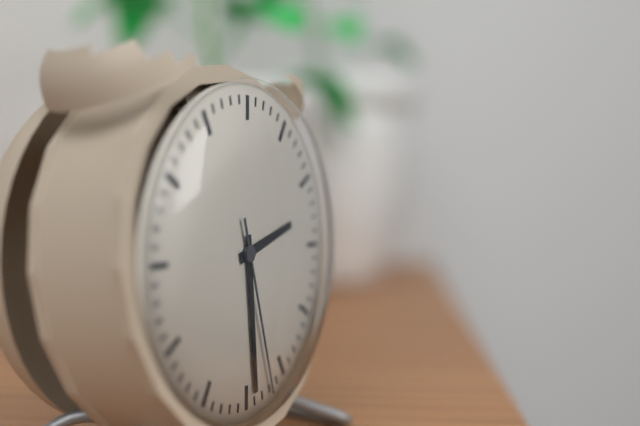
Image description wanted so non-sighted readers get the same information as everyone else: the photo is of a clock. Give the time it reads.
2:29:27
